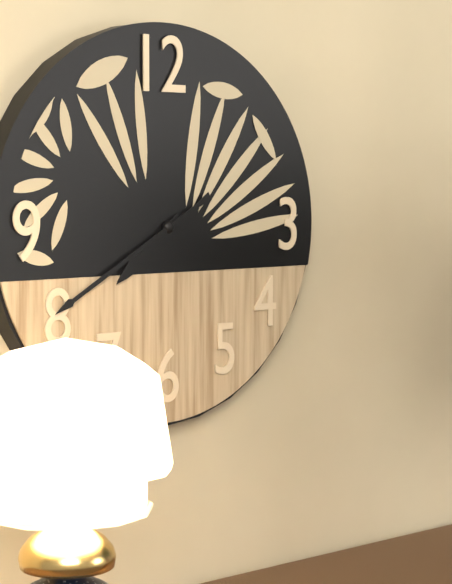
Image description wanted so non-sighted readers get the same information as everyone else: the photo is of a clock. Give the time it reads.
7:40
